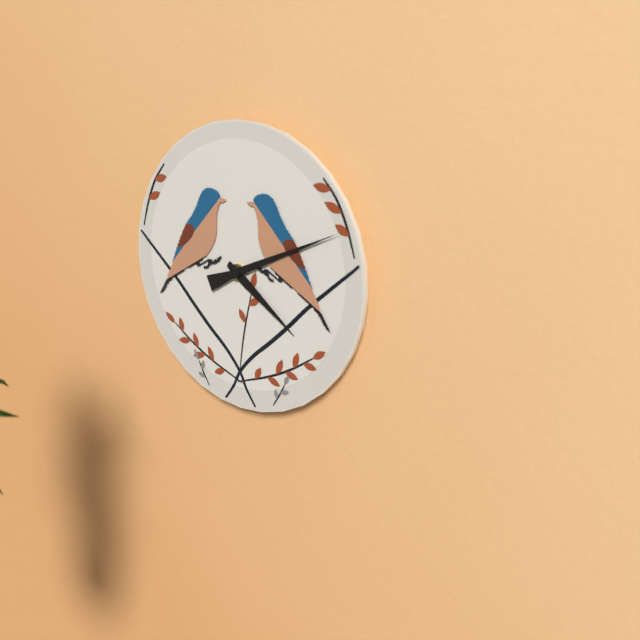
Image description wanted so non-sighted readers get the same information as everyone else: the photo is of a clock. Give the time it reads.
4:11
